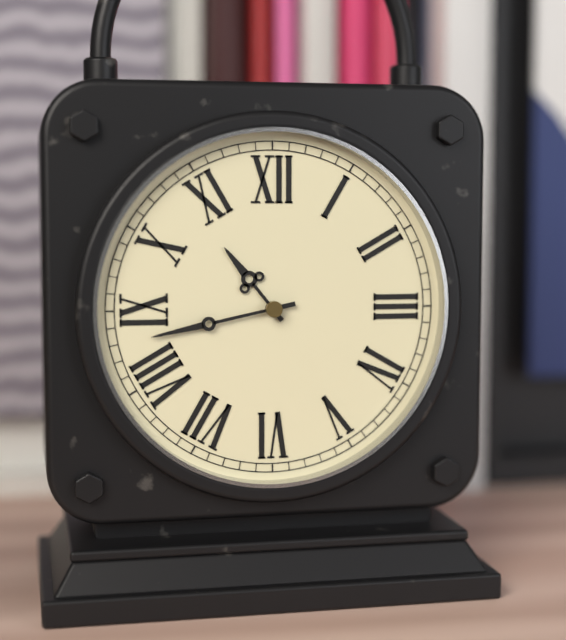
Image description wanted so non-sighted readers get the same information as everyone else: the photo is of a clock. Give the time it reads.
10:43
